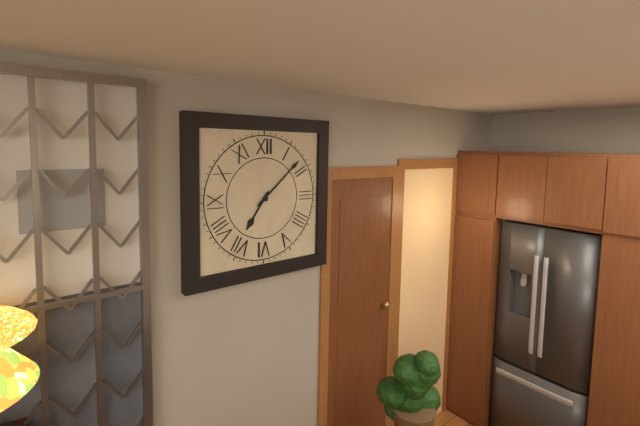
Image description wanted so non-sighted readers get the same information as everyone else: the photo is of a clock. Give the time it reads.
7:08
